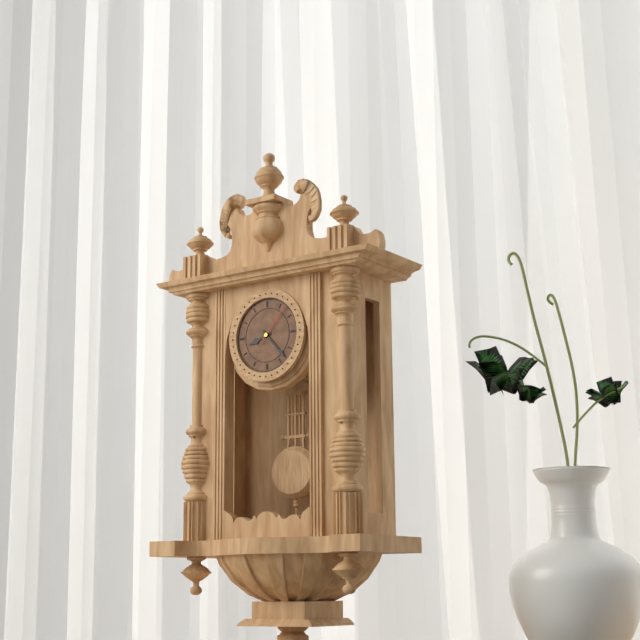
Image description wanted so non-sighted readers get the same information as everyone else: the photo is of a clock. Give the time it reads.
8:23
